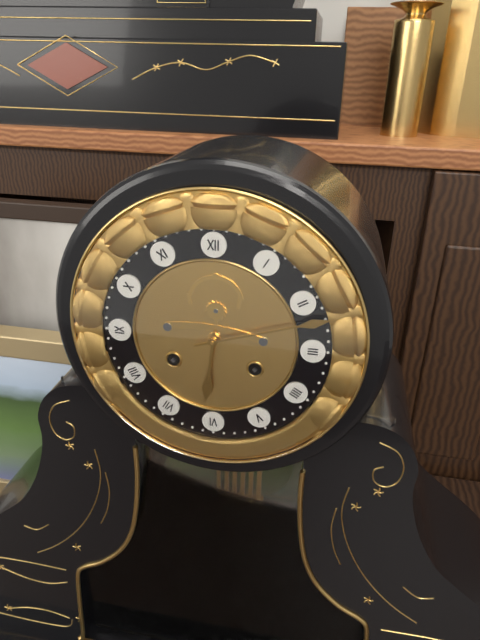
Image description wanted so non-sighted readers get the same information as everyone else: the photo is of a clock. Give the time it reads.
6:12
